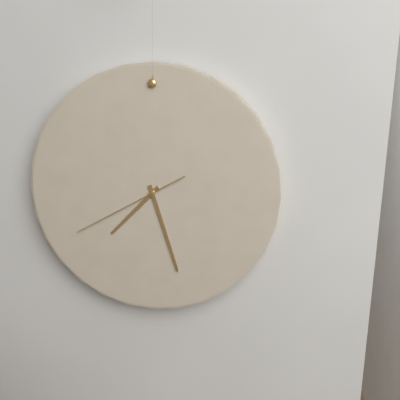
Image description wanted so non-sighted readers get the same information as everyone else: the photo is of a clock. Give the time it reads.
7:27:40
